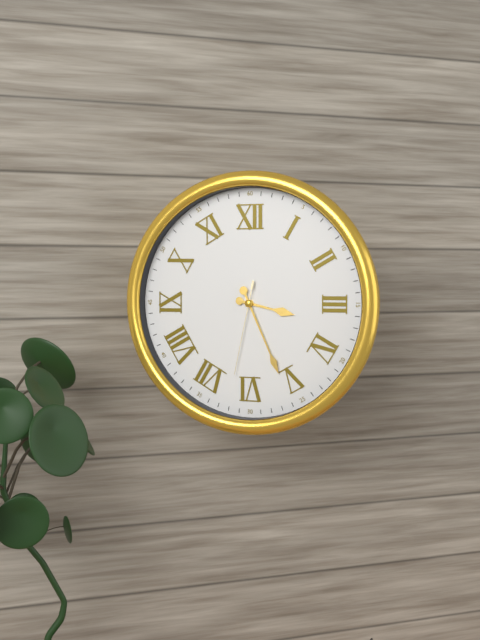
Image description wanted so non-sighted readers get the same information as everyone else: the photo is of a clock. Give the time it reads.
3:26:32
